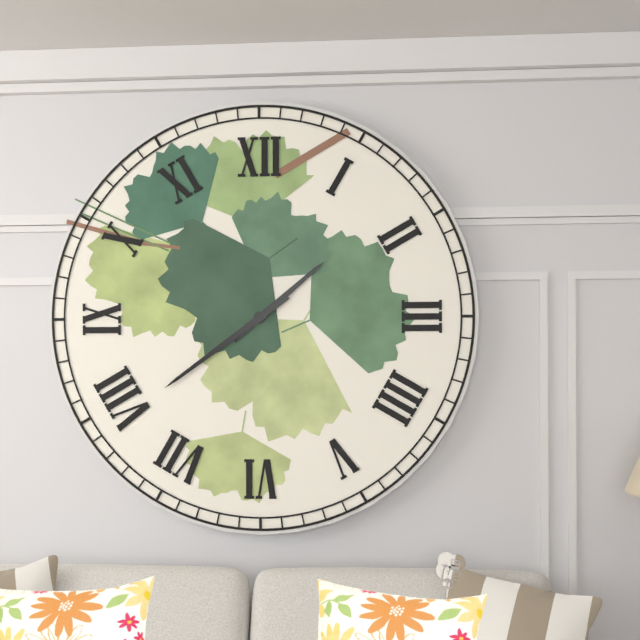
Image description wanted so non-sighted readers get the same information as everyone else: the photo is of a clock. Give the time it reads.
1:39
